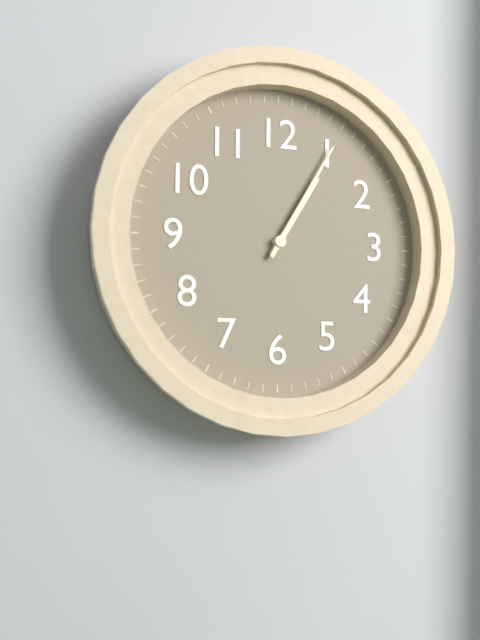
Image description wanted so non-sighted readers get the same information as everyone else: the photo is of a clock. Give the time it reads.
1:05
